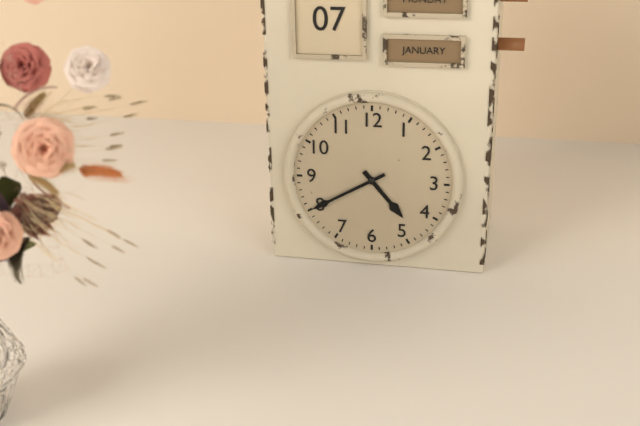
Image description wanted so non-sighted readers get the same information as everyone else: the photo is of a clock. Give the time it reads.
4:40
